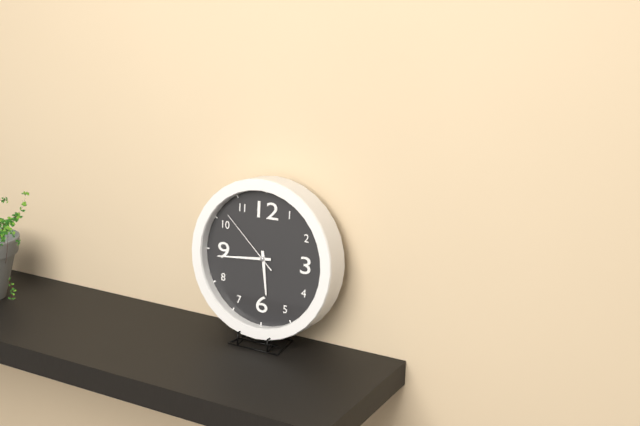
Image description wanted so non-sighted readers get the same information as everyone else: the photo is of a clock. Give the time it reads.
5:44:52
